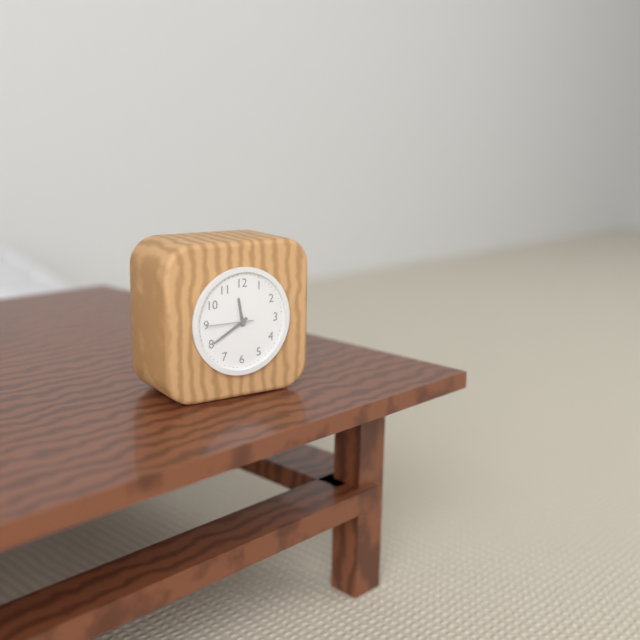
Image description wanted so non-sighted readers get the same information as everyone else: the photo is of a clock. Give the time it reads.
11:40
